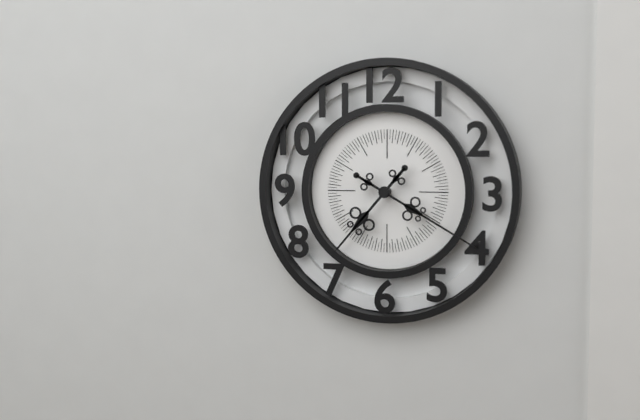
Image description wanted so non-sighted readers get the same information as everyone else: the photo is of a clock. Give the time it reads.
7:20
